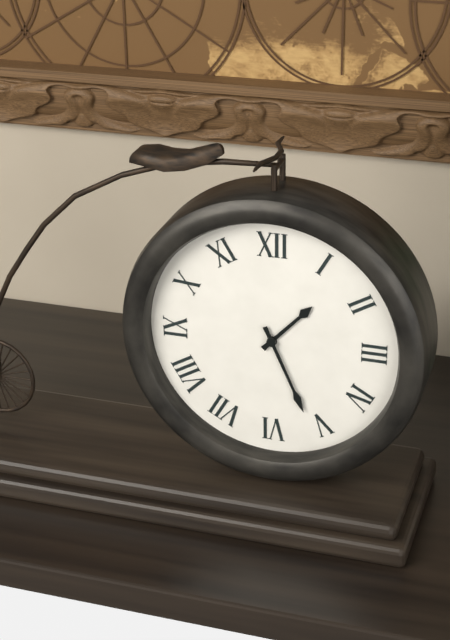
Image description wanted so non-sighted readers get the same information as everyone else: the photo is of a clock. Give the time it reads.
1:26
